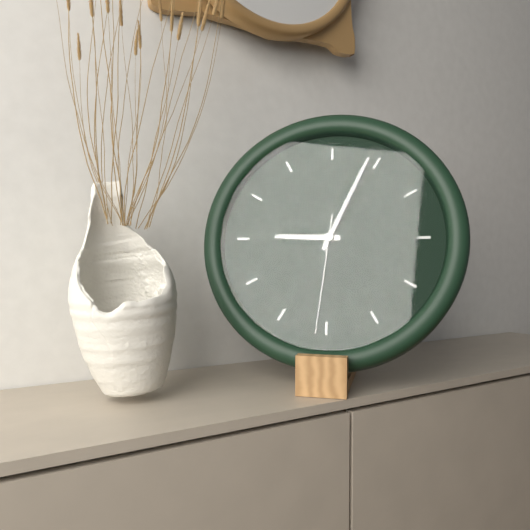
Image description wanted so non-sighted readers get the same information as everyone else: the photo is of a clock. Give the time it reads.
9:04:31
